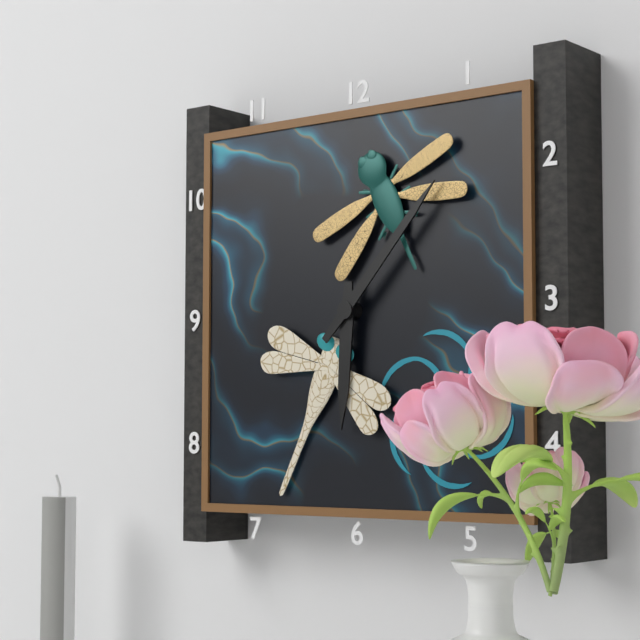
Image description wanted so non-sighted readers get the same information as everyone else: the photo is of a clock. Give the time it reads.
6:07
